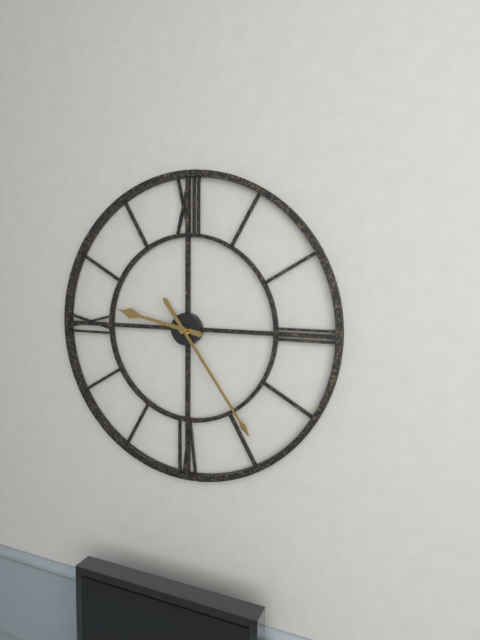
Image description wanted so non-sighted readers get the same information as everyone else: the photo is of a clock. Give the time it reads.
9:24
